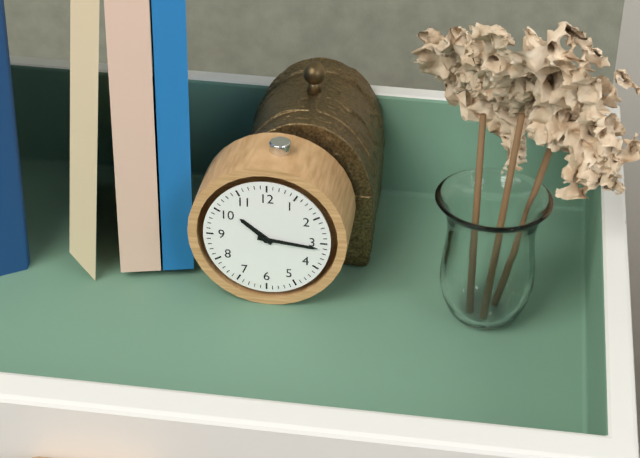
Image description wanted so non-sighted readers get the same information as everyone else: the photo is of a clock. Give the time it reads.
10:16
